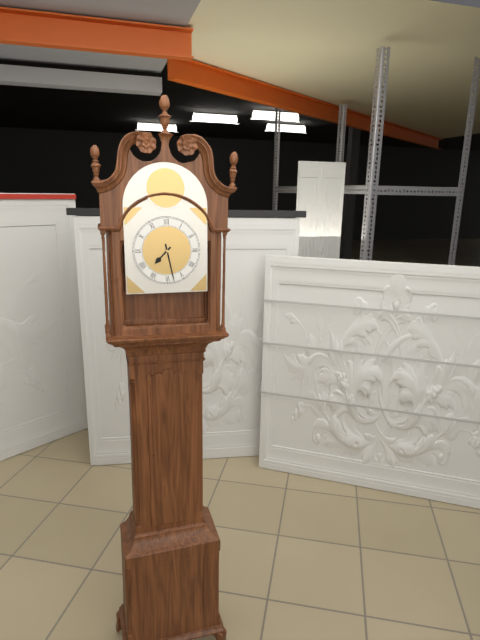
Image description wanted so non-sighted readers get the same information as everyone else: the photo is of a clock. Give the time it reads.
7:28
